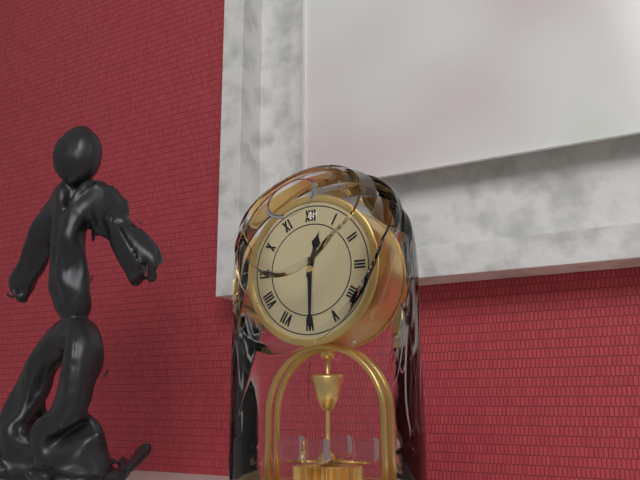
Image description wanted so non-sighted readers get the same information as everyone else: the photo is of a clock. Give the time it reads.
12:30
